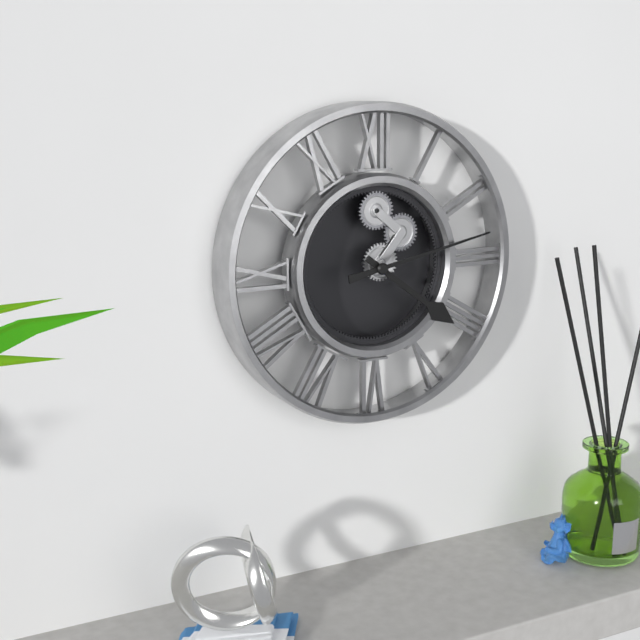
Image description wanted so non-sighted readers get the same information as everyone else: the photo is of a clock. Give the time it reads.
4:13
